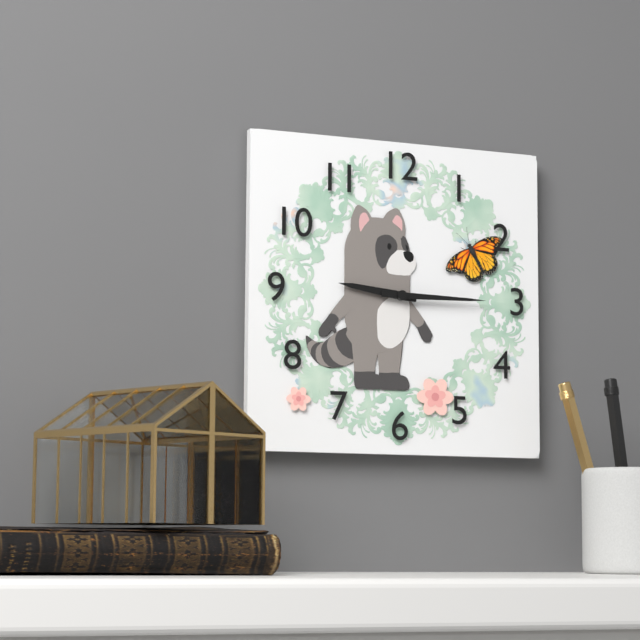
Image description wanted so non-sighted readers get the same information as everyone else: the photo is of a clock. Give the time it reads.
9:15
